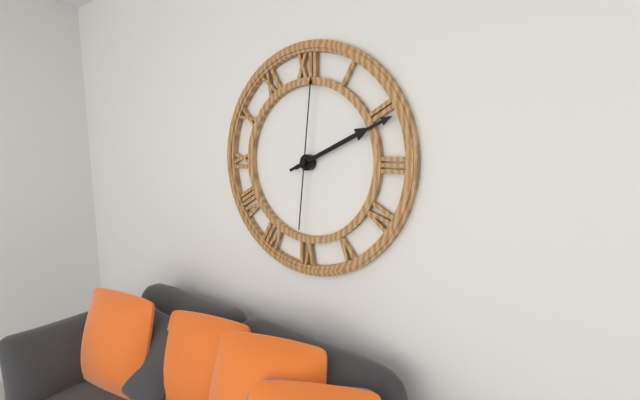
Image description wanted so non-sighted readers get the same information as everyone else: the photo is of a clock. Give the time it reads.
2:11:01
